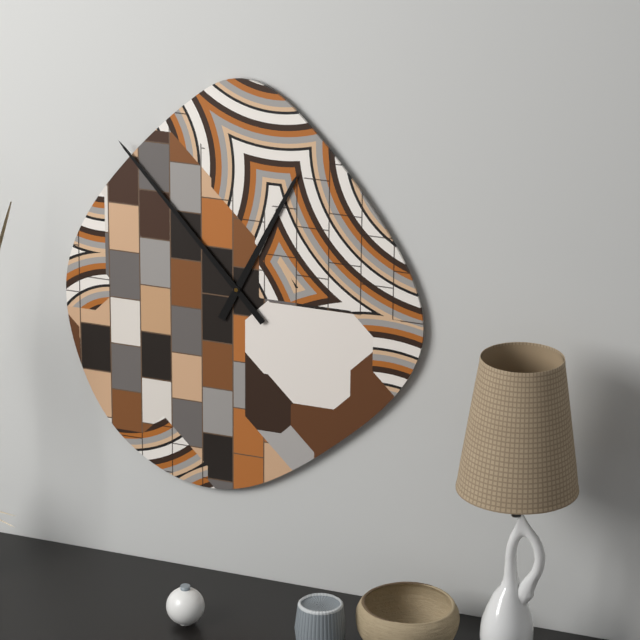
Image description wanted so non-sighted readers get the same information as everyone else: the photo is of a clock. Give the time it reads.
12:53
